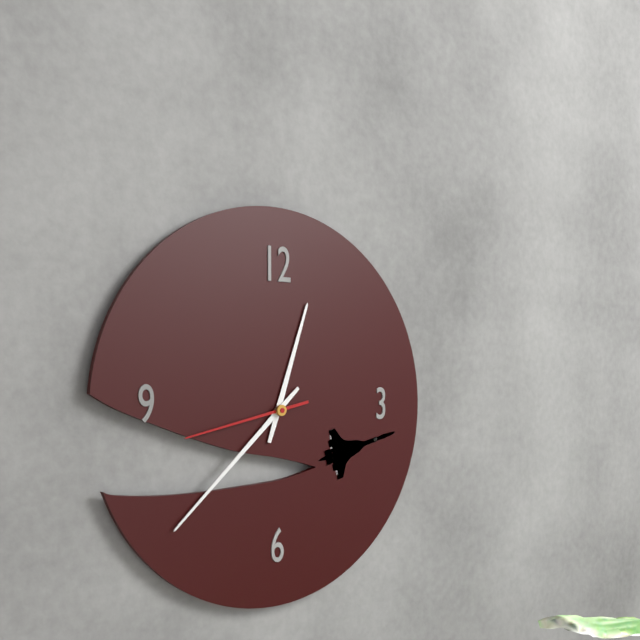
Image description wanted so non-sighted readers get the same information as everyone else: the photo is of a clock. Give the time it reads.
12:38:43
